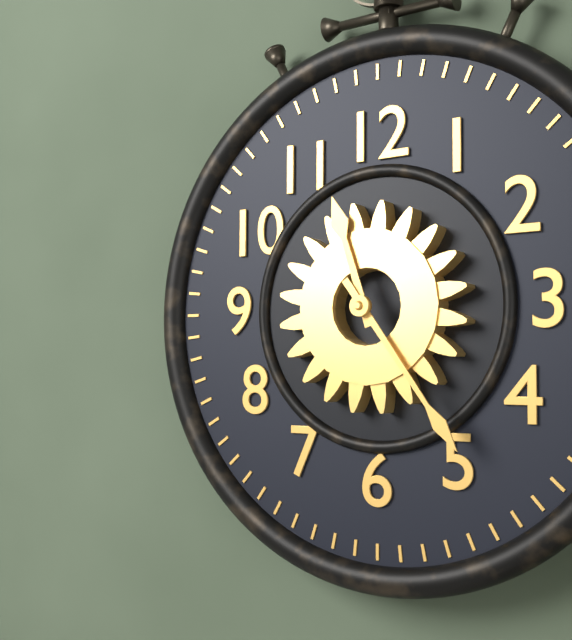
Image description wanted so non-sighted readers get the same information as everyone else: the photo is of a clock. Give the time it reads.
11:24
